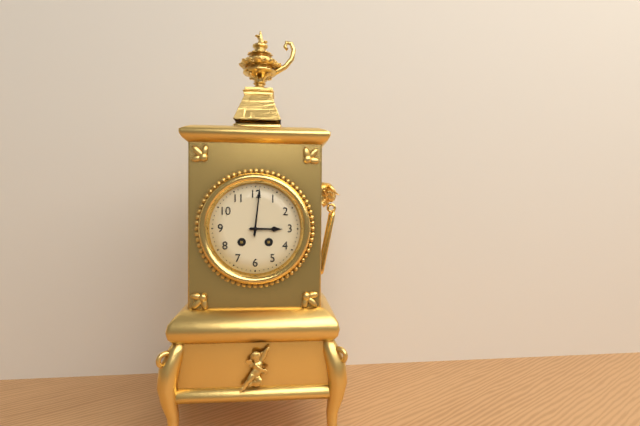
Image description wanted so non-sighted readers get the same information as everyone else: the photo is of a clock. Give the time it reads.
3:01
